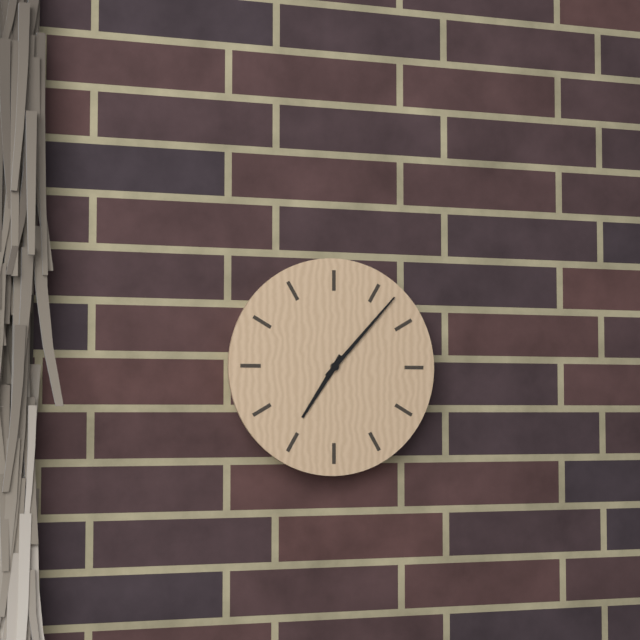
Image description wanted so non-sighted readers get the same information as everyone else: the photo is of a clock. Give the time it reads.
7:07
